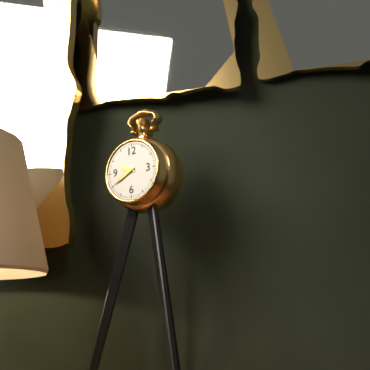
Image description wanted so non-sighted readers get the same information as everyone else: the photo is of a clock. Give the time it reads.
9:40
